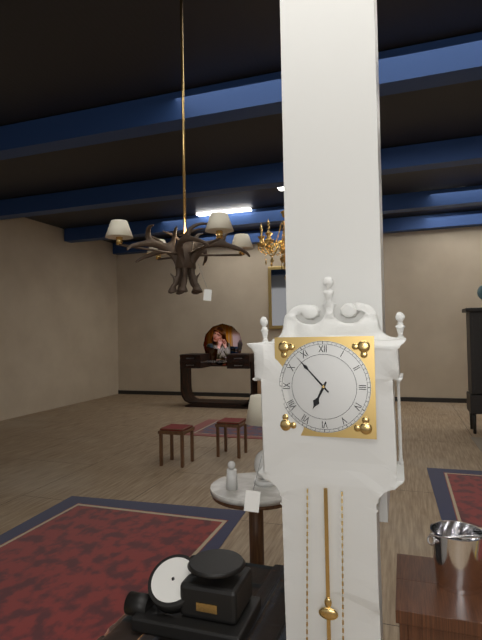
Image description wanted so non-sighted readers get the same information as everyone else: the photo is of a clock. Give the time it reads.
6:53
